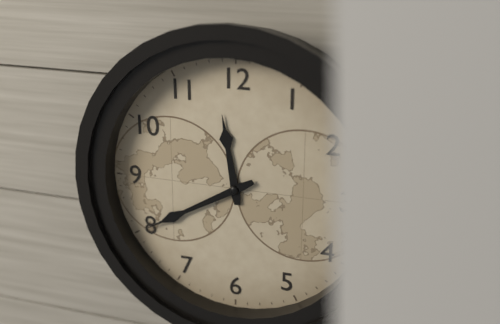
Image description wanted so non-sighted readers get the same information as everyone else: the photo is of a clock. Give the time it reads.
11:40
